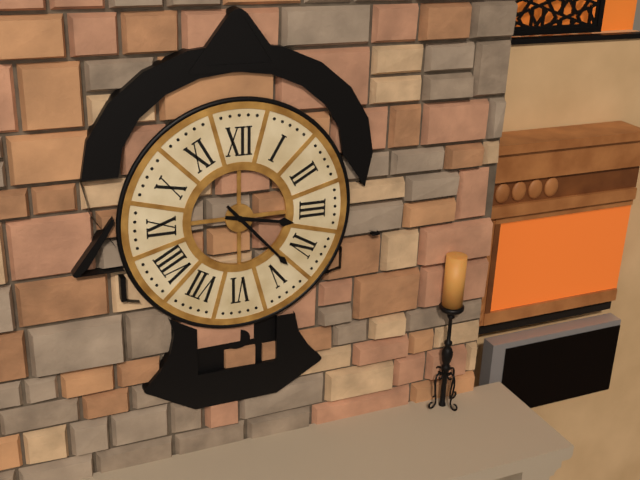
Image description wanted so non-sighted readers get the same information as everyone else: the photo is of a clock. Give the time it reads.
3:23
